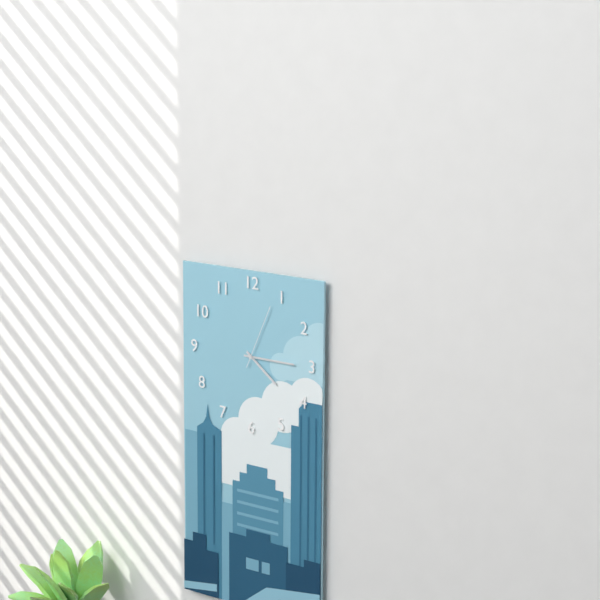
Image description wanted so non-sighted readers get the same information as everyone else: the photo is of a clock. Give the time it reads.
4:15:04
